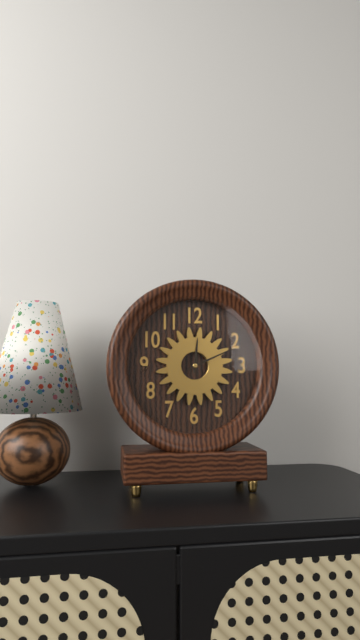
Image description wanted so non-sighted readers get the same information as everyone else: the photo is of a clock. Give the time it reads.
12:11
